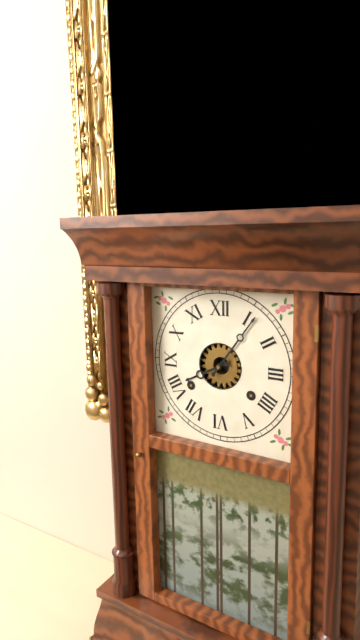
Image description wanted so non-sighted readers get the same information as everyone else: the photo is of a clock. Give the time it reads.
8:06
